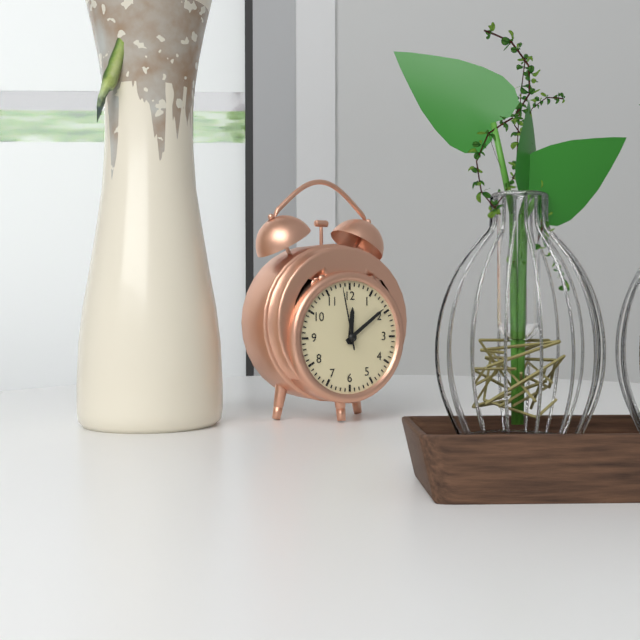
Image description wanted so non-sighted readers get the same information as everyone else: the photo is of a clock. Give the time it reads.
12:09:58
